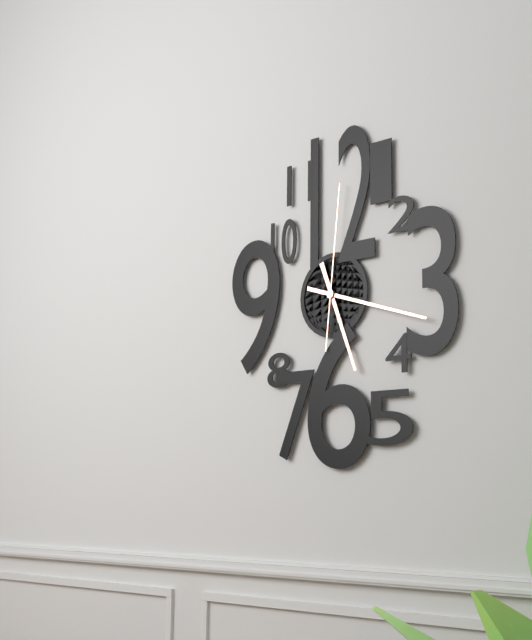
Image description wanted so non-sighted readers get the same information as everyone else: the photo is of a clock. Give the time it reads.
5:18:01
